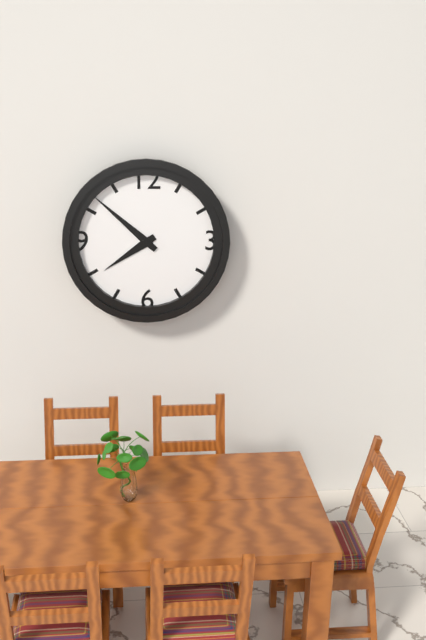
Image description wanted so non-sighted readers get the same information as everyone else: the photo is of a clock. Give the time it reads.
7:52
